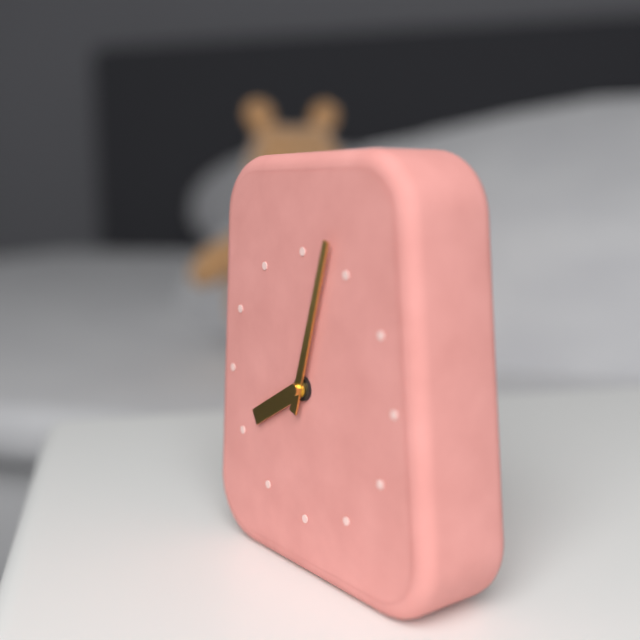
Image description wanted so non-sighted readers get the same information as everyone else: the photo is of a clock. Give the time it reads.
8:03
